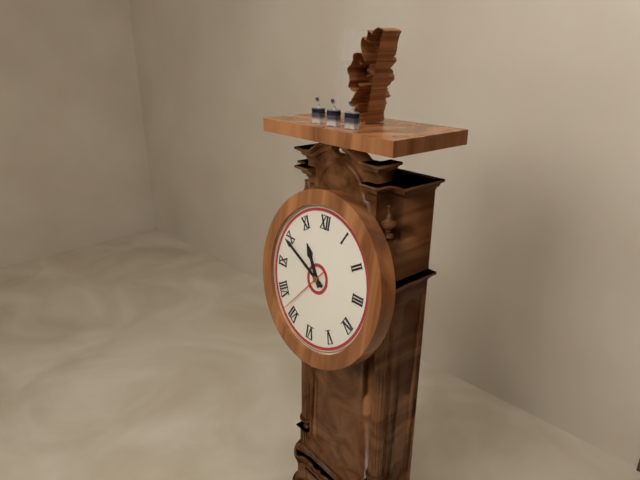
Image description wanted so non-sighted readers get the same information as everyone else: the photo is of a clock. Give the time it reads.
10:49:37
